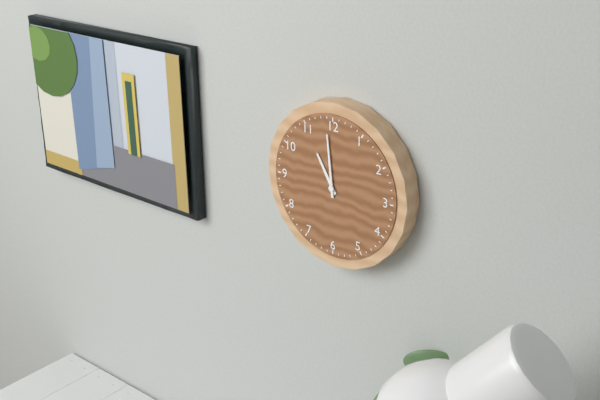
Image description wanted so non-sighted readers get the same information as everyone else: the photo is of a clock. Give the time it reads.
10:59
